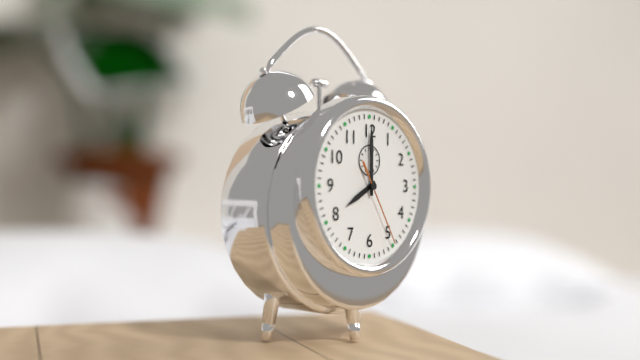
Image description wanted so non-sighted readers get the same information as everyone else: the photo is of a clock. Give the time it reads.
8:00:25
